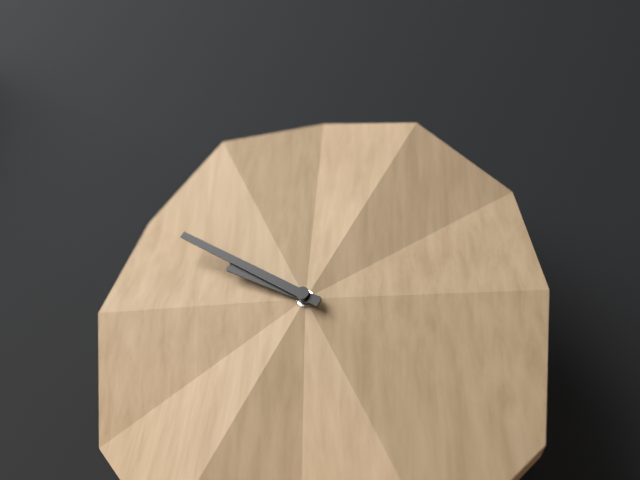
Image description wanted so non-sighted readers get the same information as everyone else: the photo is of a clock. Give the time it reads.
9:50
